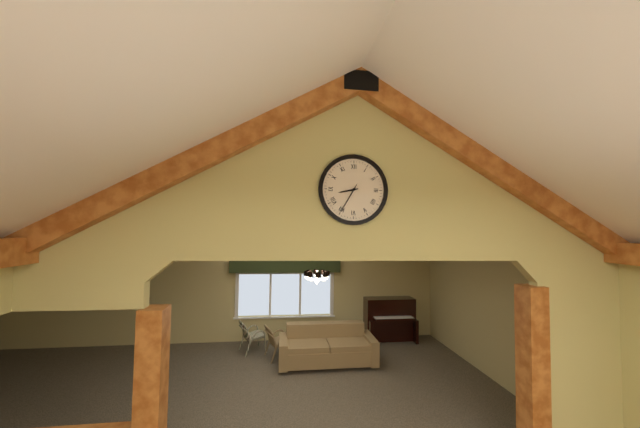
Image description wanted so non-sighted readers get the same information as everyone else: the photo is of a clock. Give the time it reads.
8:35
